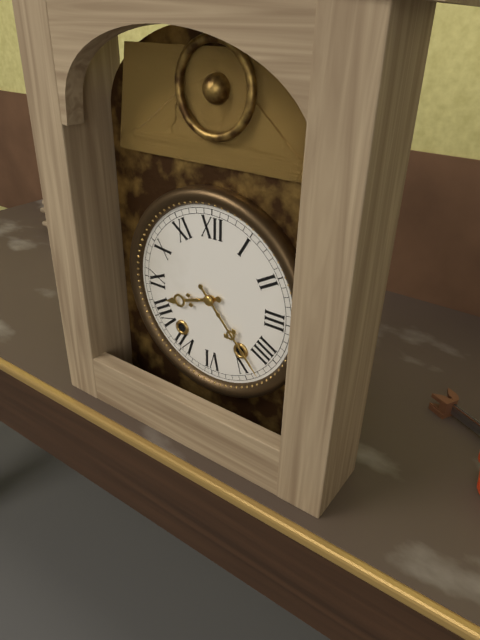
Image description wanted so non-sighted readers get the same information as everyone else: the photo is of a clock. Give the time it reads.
8:23
